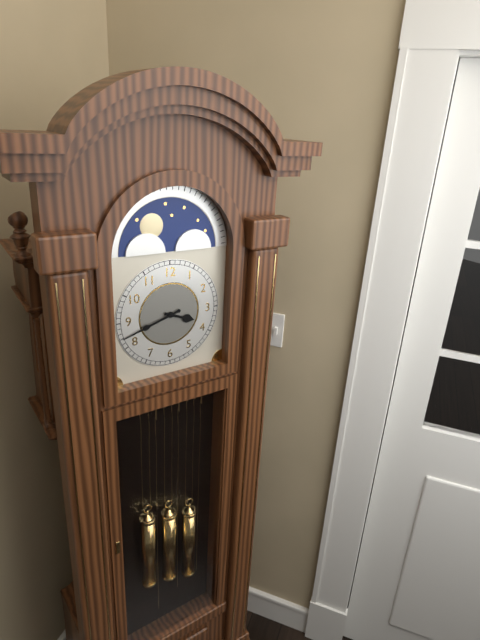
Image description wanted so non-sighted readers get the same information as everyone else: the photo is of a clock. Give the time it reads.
3:42
